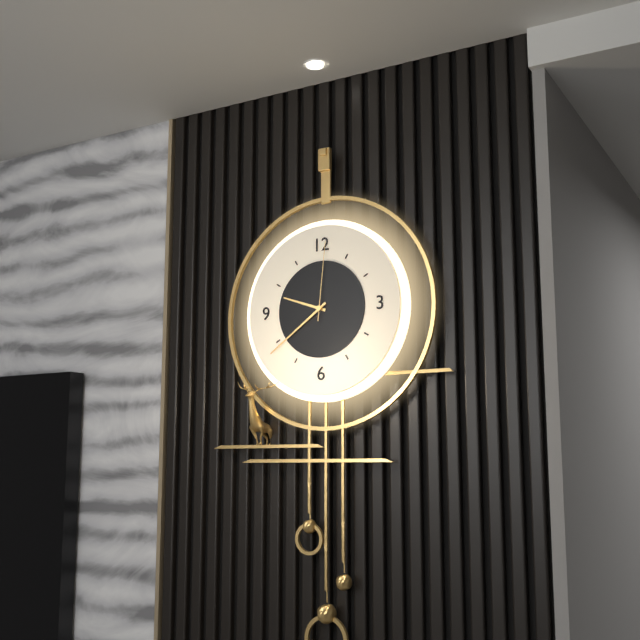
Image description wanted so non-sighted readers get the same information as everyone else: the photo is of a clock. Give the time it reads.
9:39:01
